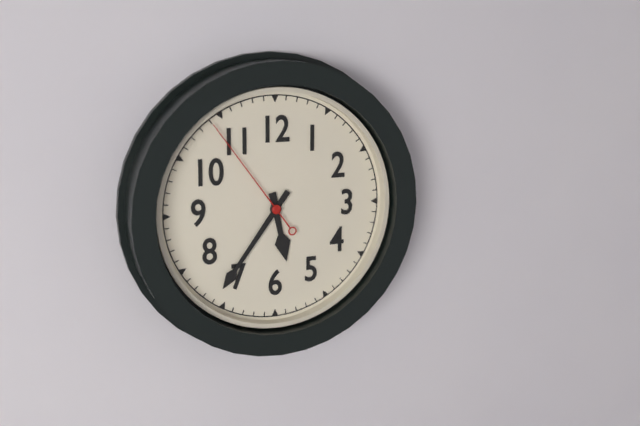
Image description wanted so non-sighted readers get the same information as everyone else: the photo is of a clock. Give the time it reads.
5:36:54
